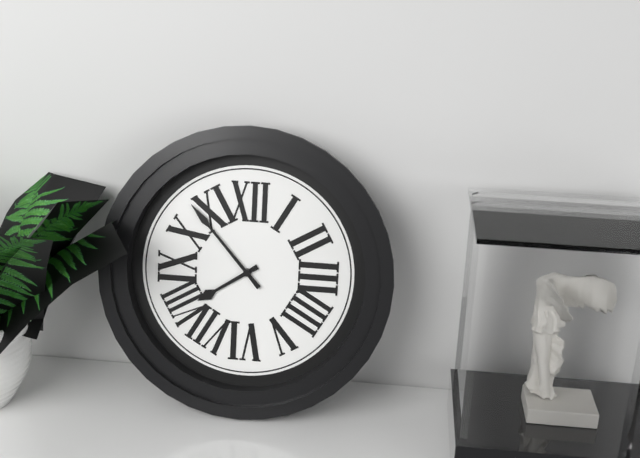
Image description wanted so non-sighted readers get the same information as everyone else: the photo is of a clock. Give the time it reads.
7:53
